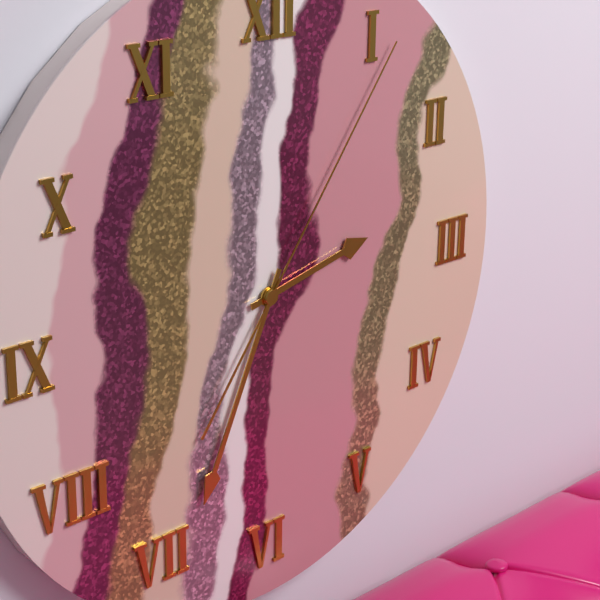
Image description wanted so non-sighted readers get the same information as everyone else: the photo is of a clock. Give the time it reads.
2:34:06
